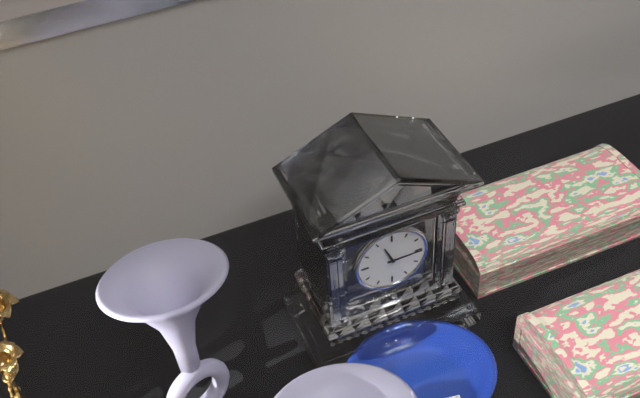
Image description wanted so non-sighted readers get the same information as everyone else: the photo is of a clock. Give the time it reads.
11:15
